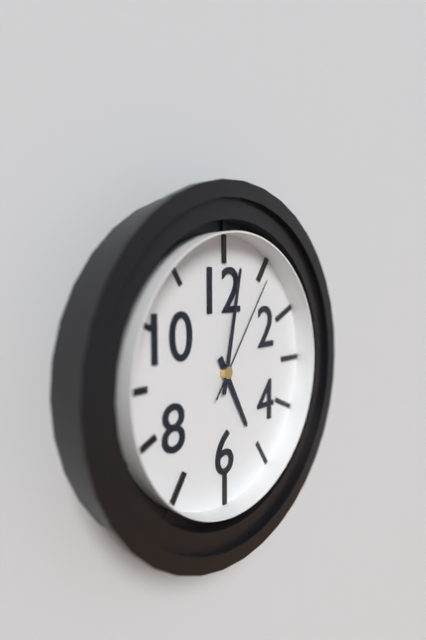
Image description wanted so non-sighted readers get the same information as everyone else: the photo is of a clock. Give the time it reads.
5:02:06
